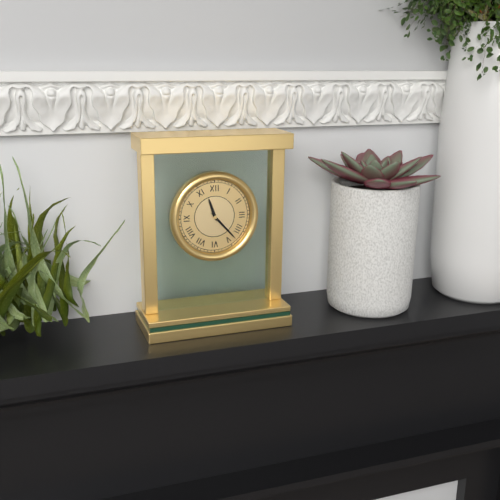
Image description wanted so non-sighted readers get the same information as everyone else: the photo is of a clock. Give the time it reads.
11:23
